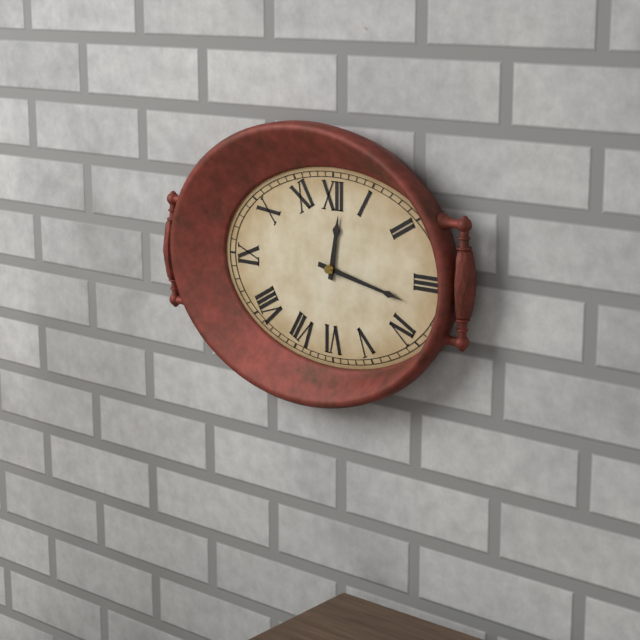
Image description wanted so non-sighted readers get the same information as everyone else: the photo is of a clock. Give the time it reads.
12:17
